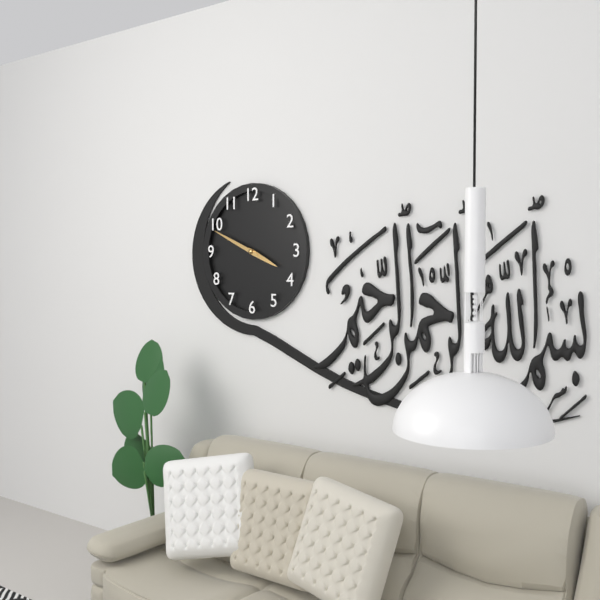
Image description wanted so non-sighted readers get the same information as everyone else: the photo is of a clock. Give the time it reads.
3:49
